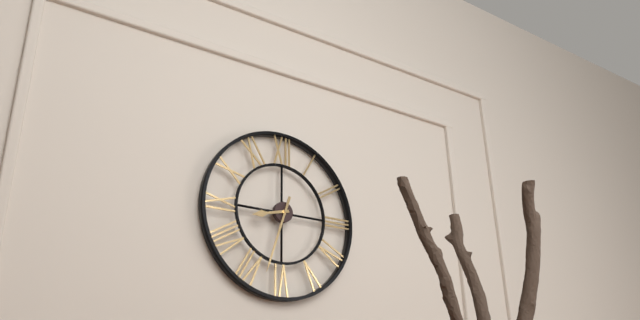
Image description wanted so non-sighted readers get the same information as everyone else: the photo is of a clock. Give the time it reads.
8:33
